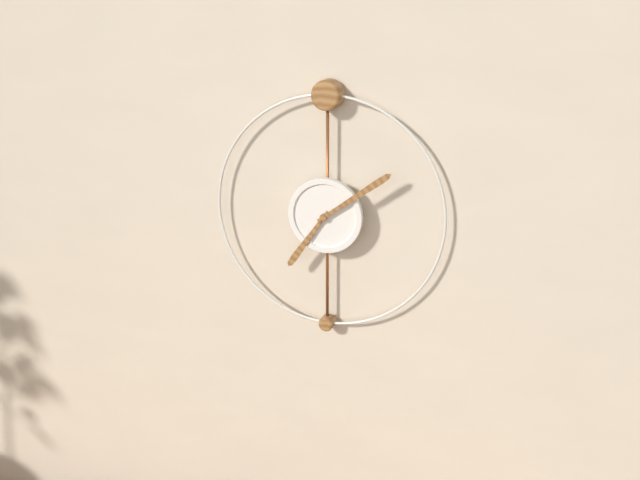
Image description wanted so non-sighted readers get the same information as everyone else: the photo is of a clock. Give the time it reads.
7:09
